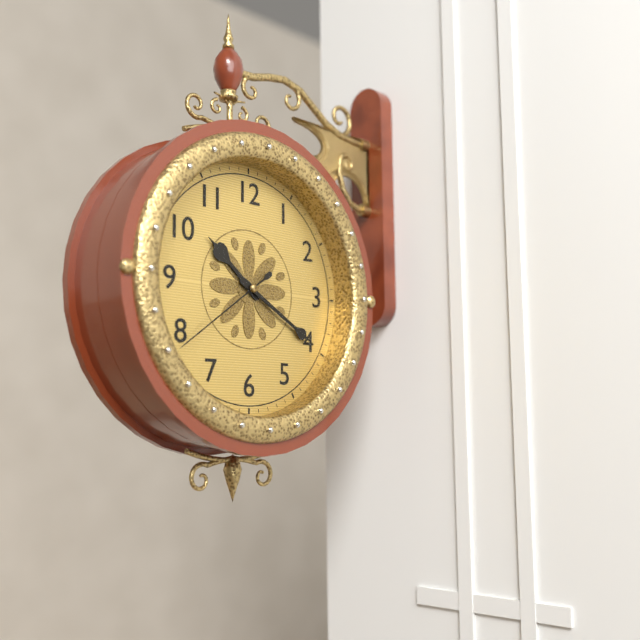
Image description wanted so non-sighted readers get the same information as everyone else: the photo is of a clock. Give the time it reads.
10:20:39
